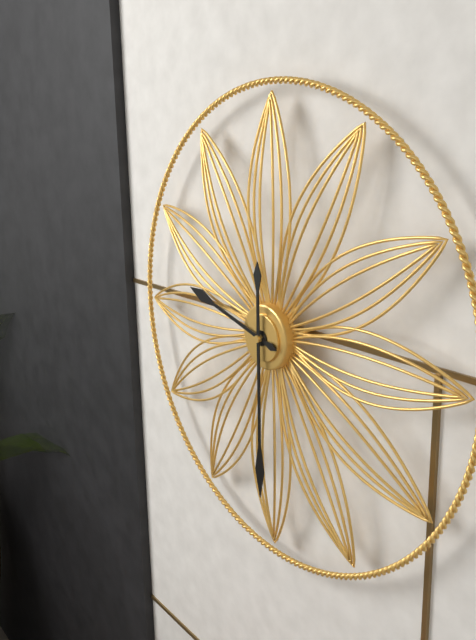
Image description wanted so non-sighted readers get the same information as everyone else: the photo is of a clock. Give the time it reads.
9:30
